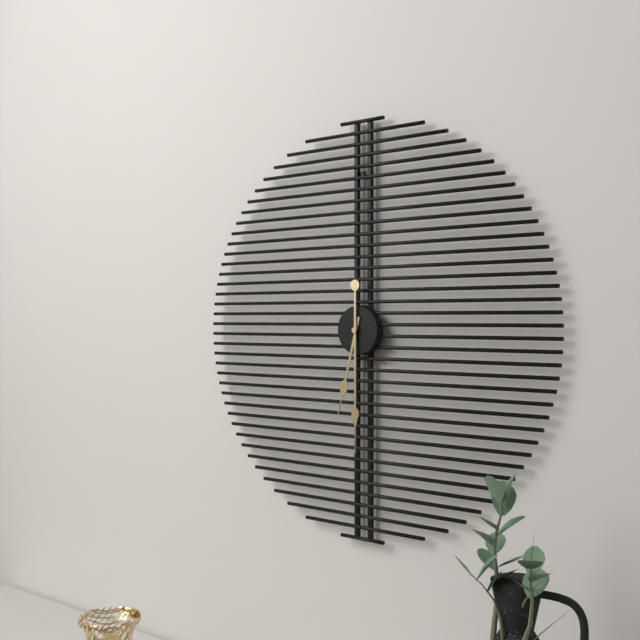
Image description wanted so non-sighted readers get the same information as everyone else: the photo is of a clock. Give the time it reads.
6:30
